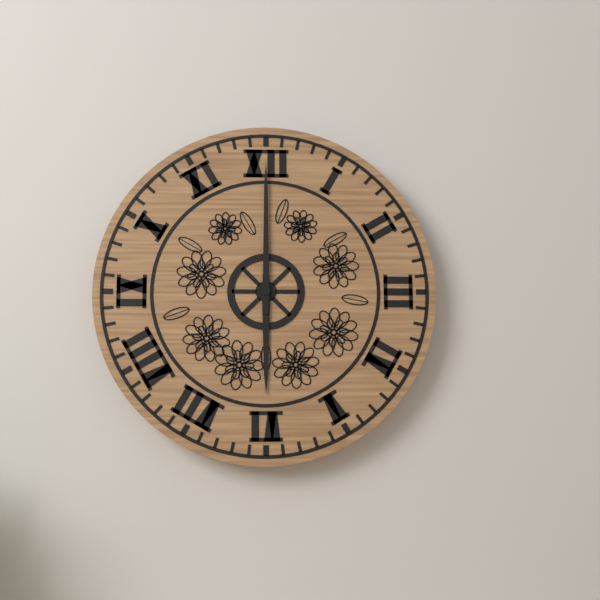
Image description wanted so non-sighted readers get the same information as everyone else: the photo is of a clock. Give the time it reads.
6:00
